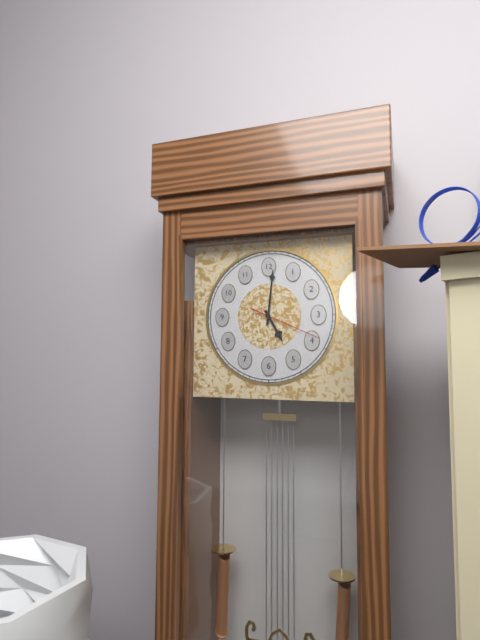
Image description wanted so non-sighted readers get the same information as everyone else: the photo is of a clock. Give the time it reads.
5:01:19
